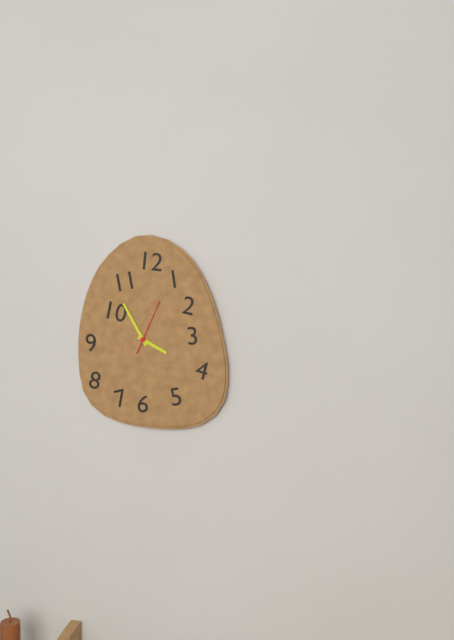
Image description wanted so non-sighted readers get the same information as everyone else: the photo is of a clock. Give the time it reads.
3:55:04
